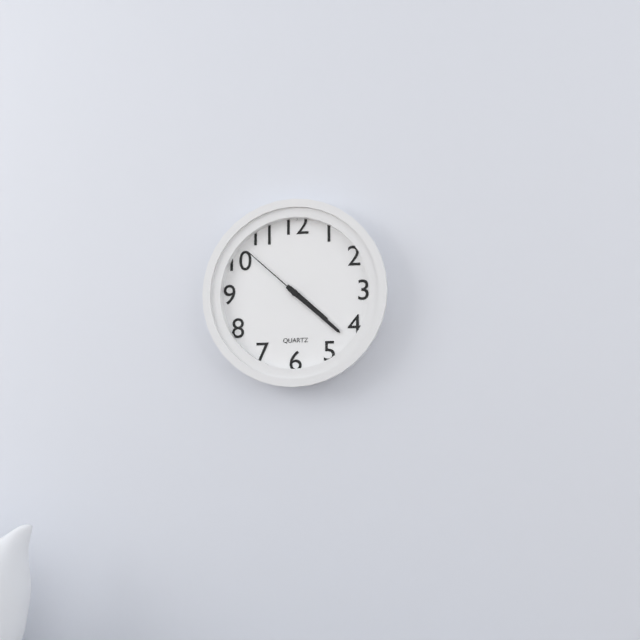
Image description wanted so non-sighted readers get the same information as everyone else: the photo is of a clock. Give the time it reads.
4:22:52
